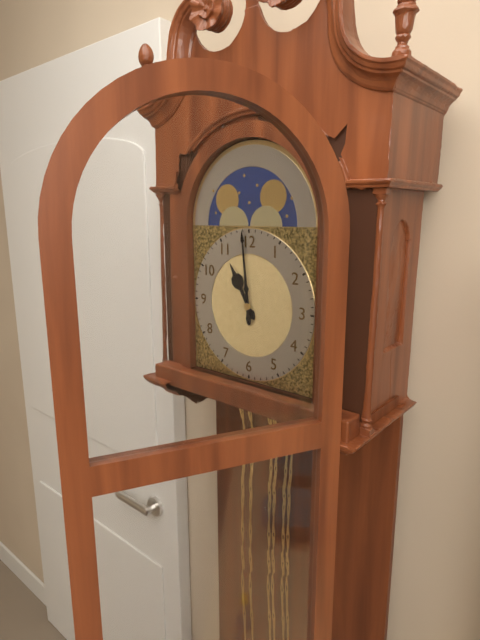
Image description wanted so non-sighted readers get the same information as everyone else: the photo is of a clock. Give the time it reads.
10:59
